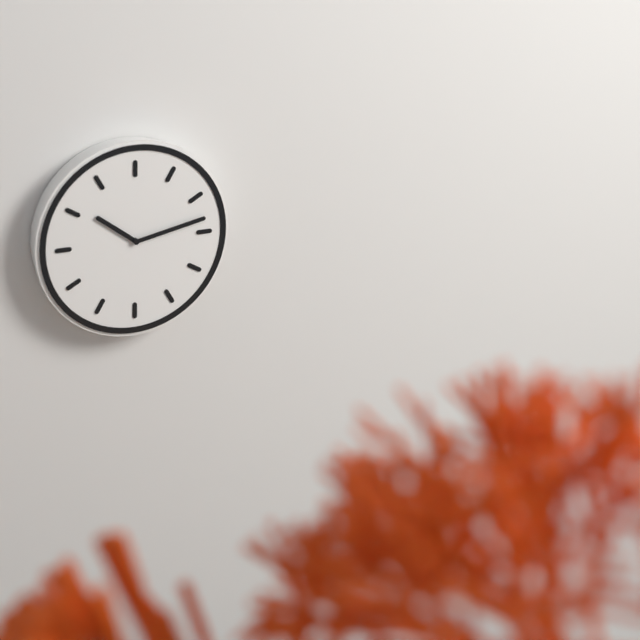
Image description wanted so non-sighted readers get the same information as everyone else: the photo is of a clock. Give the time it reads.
10:13
